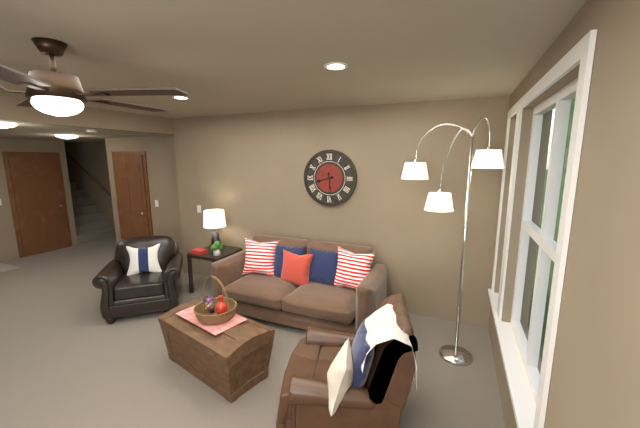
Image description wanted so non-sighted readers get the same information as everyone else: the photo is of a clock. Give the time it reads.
8:29
